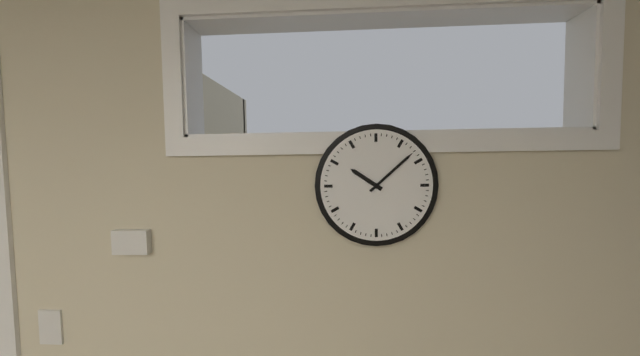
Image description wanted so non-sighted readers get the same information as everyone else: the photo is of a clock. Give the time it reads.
10:08
